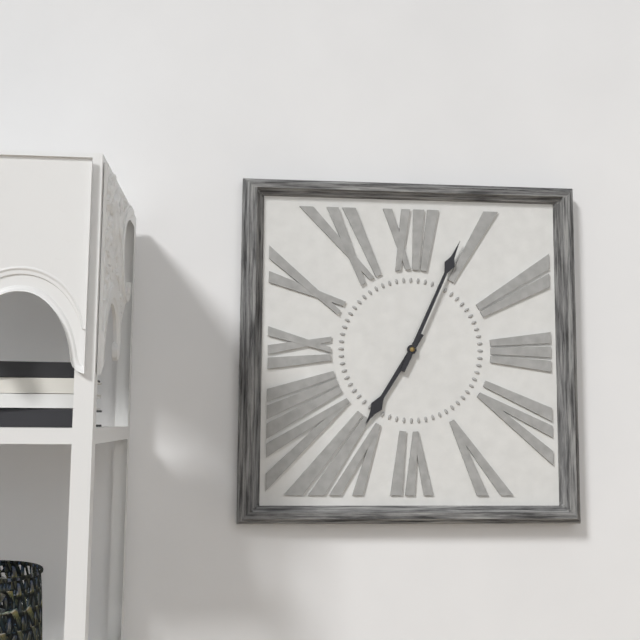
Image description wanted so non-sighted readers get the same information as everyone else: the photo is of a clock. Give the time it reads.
7:04
